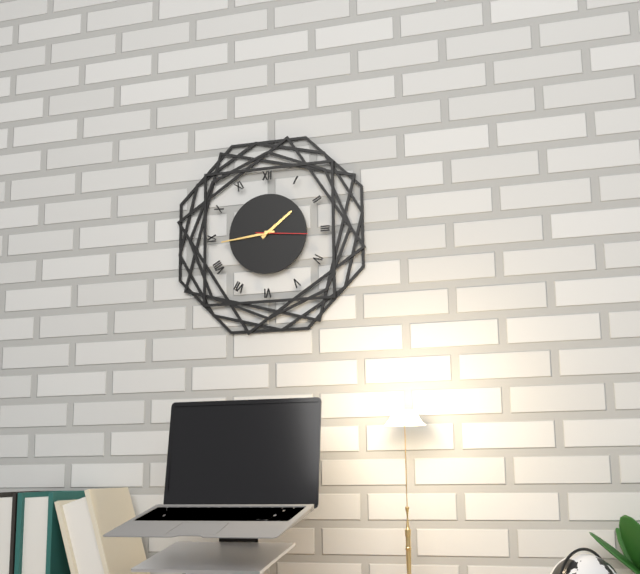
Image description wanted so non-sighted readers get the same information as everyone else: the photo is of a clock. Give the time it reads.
1:44:16
